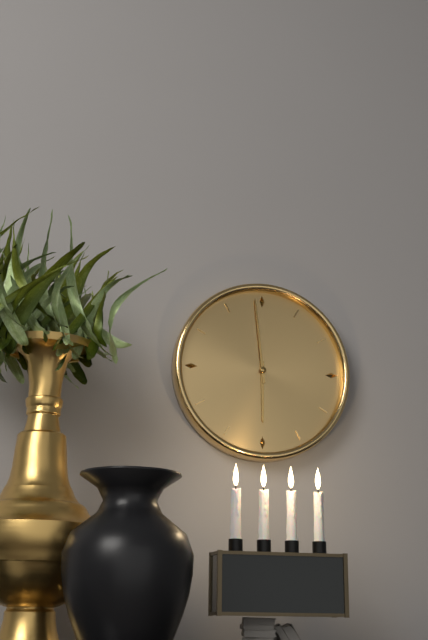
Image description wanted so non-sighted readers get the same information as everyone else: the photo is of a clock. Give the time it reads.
5:59
